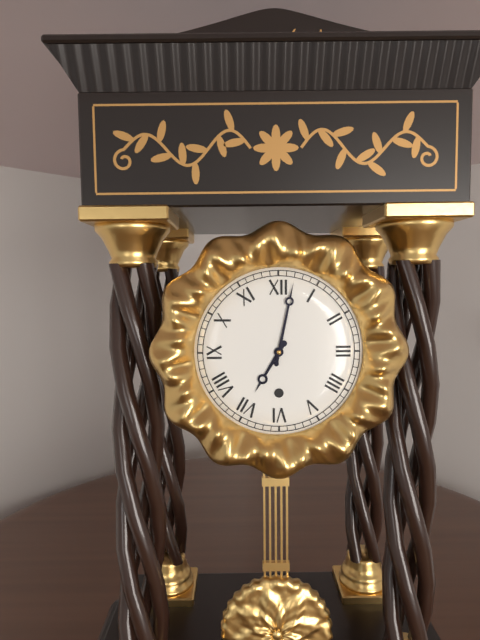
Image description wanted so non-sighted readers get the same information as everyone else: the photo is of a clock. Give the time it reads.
7:02
